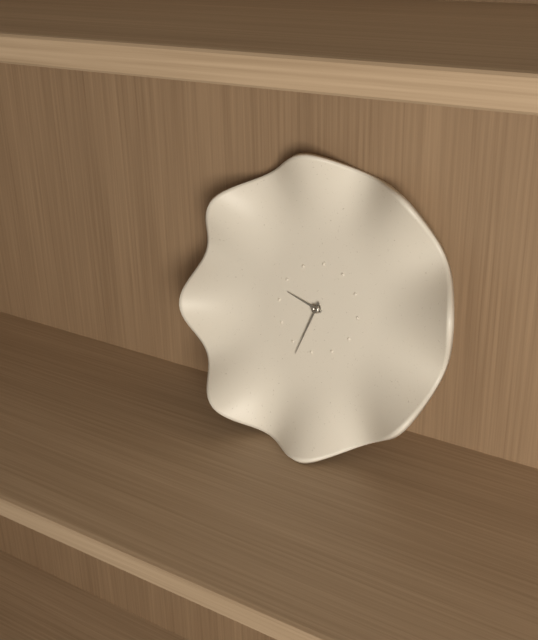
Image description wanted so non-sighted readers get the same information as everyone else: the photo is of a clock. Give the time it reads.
9:33
